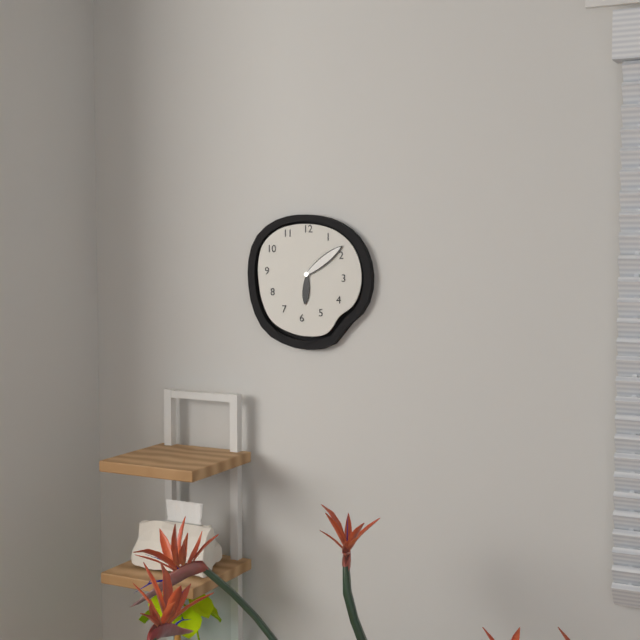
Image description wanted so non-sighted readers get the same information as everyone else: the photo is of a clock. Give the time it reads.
6:09
